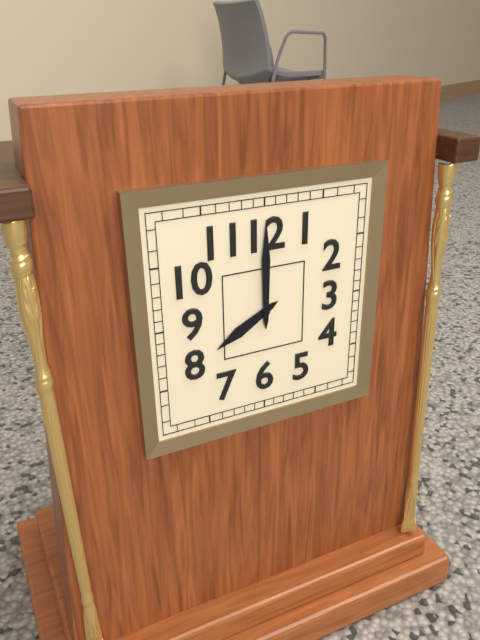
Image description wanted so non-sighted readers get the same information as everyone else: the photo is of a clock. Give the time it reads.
8:00
